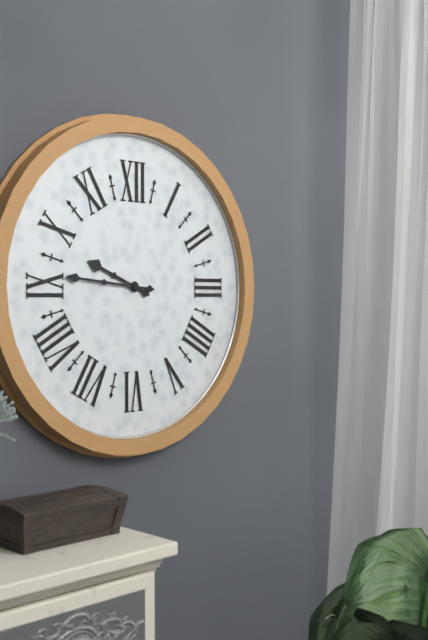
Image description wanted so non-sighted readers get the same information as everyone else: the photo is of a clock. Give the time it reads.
9:46
